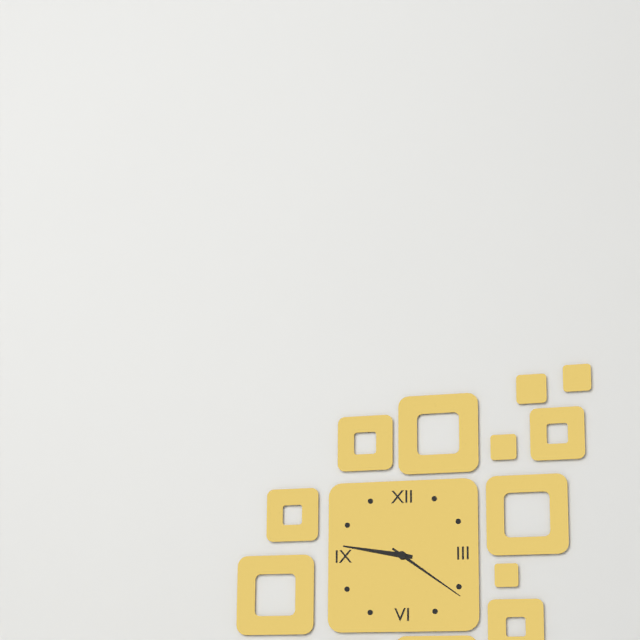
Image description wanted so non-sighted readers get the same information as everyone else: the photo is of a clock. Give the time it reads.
9:21
